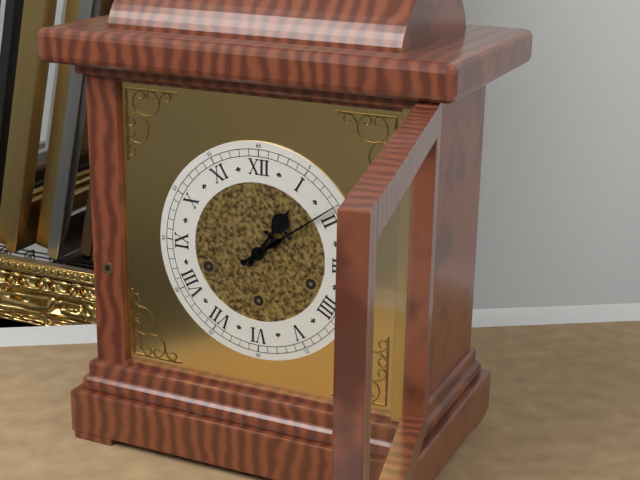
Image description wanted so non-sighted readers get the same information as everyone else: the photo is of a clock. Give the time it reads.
1:09
